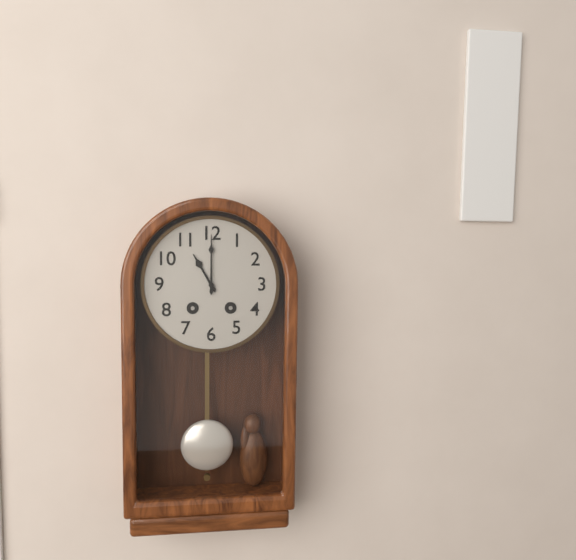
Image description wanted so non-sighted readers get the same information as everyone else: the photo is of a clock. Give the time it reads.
11:00
